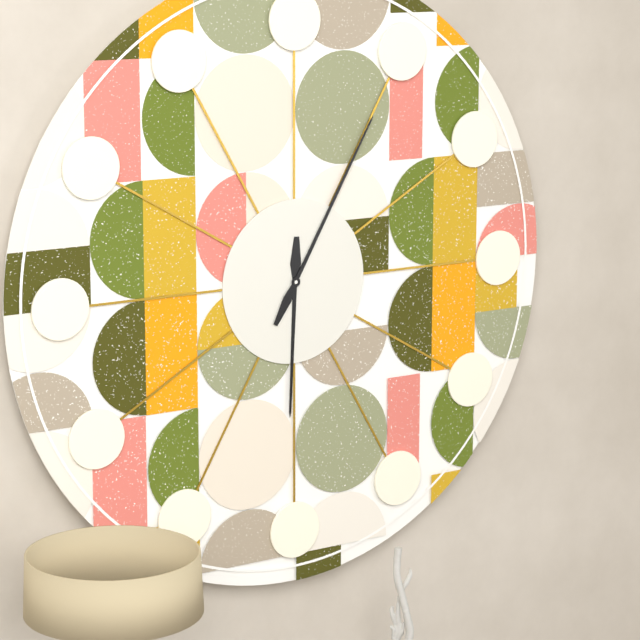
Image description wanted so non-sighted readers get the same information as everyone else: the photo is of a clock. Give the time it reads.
6:05
